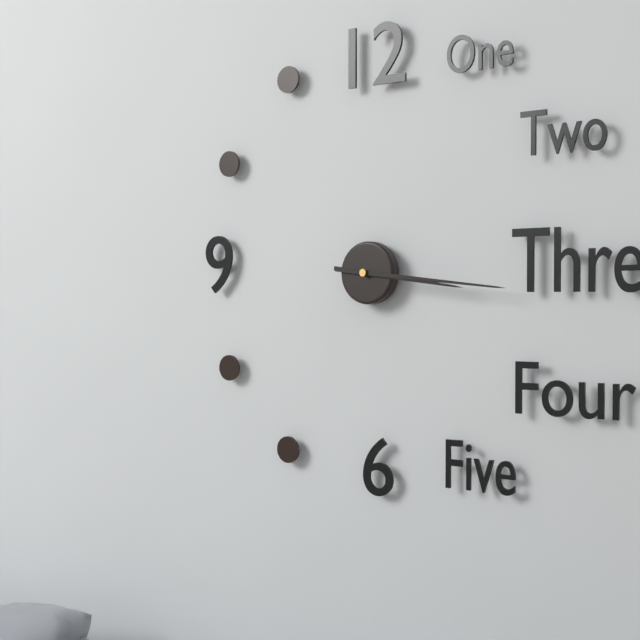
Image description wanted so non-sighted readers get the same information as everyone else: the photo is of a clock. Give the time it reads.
3:16
